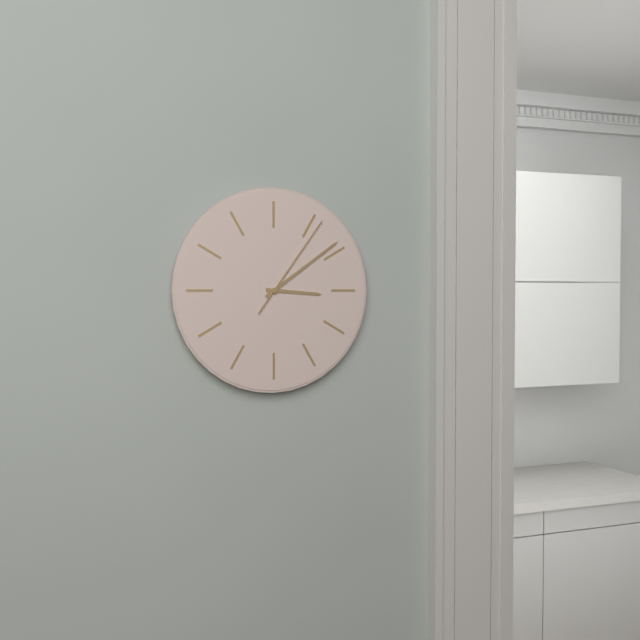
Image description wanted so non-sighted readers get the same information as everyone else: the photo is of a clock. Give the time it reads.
3:09:06
